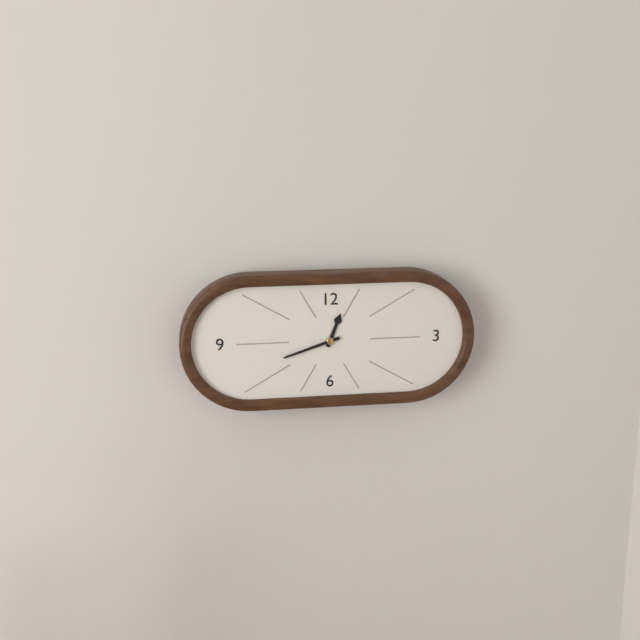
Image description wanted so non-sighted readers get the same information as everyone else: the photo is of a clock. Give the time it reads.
12:42
